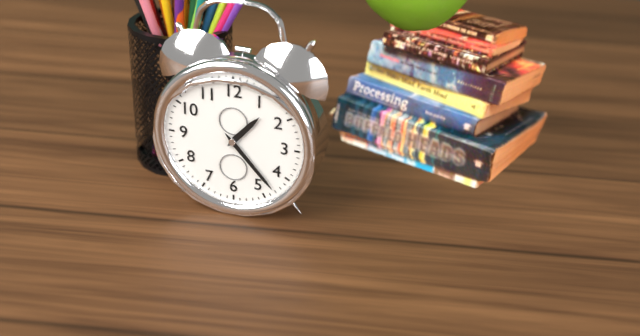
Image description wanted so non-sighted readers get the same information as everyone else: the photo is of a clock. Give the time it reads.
1:23
